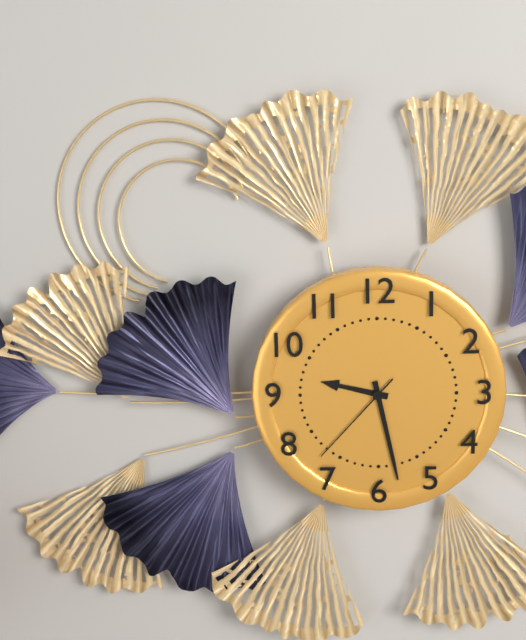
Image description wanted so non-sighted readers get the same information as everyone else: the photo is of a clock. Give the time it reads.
9:28:37
